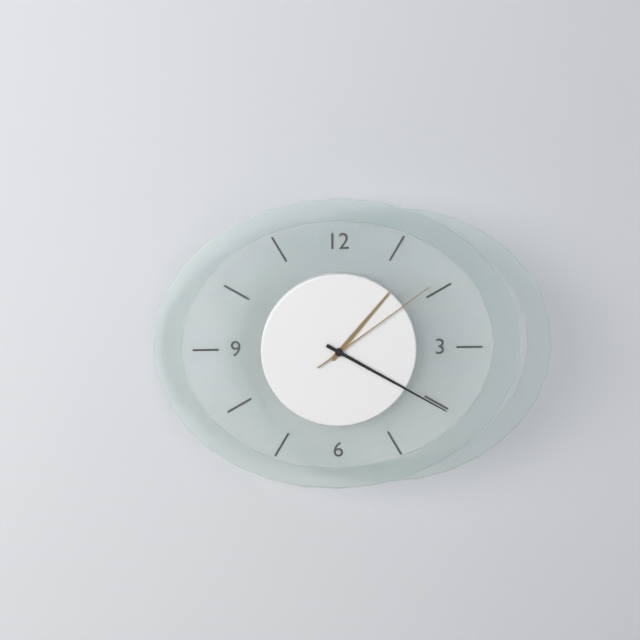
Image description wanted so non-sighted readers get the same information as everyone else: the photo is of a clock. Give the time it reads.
1:20:09
